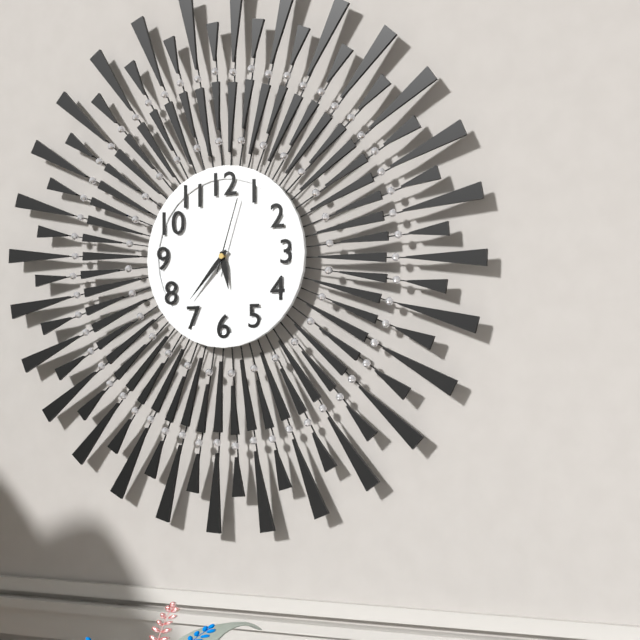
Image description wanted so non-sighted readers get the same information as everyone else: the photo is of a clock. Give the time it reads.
5:37:03
